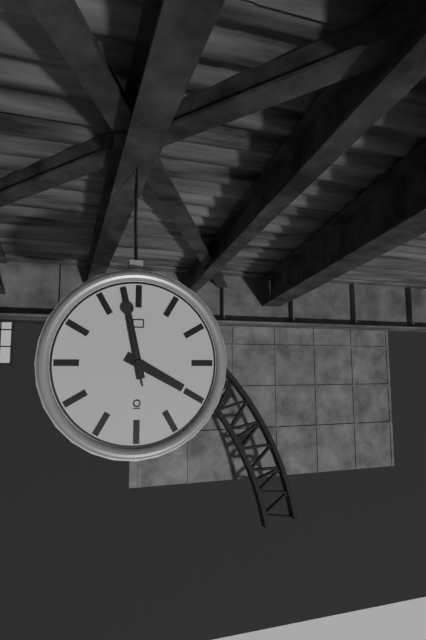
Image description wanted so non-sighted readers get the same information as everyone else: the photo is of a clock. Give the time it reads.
3:58:58
